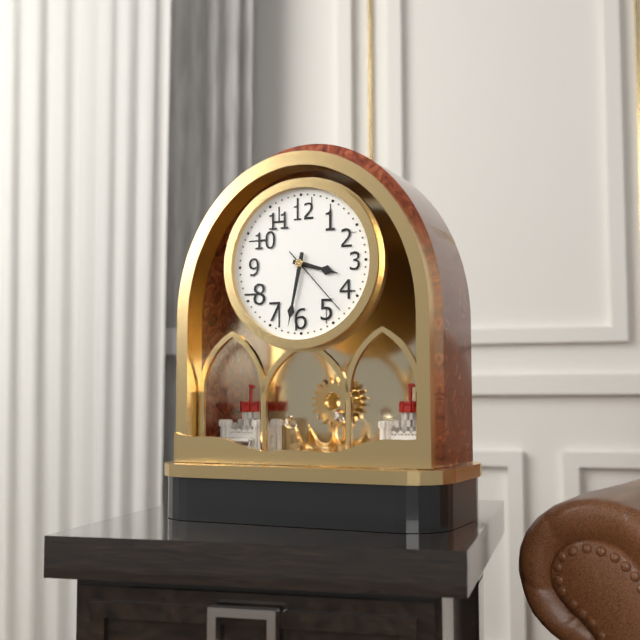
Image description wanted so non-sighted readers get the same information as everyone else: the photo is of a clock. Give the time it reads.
3:32:23
